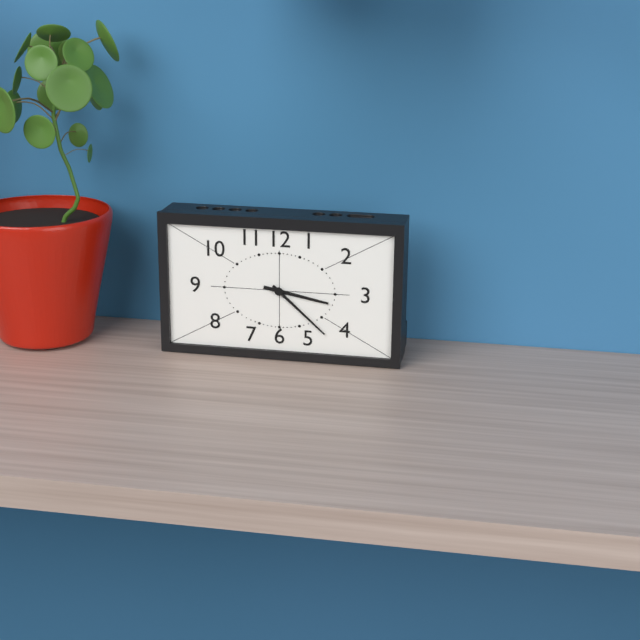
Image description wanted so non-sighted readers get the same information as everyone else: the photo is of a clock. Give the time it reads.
3:22
